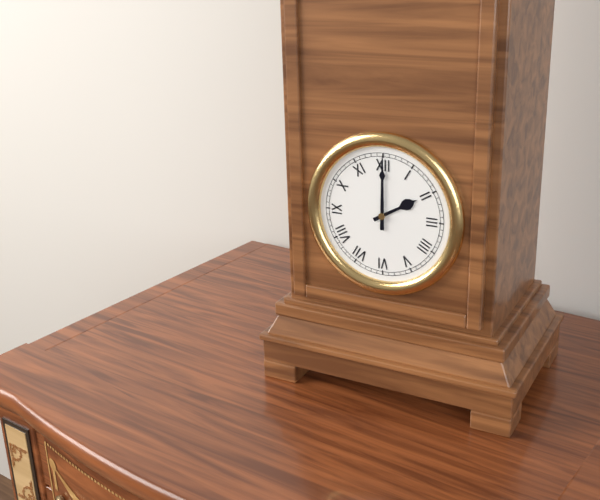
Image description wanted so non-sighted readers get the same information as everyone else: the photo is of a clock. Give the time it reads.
2:00
